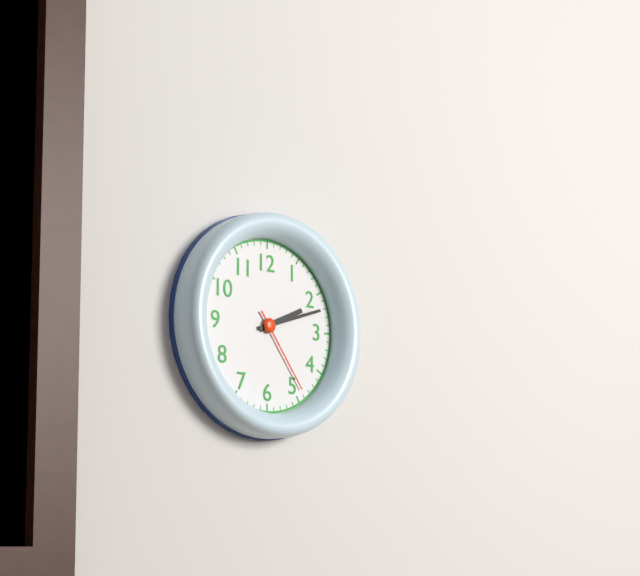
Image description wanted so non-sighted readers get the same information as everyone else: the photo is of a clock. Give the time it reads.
2:12:24
